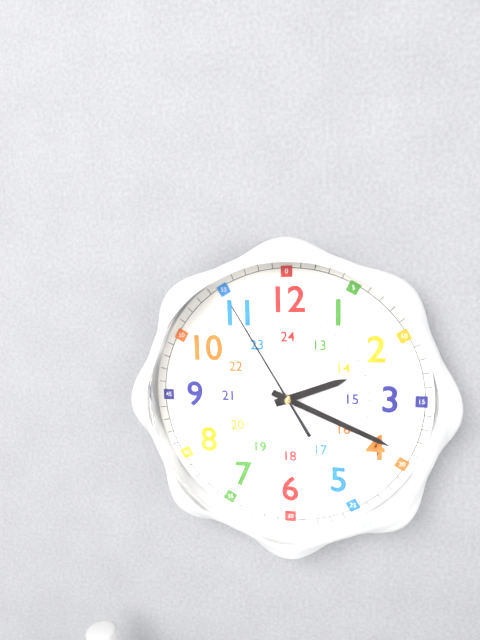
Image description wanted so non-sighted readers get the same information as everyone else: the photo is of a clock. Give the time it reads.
2:19:55
